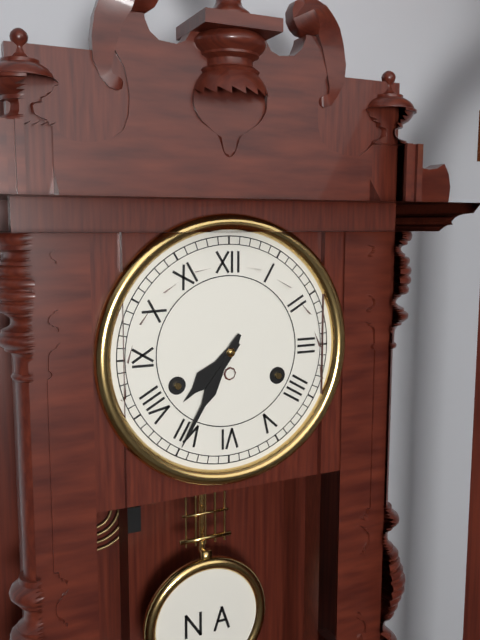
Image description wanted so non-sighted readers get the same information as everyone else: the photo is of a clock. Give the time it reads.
7:35
